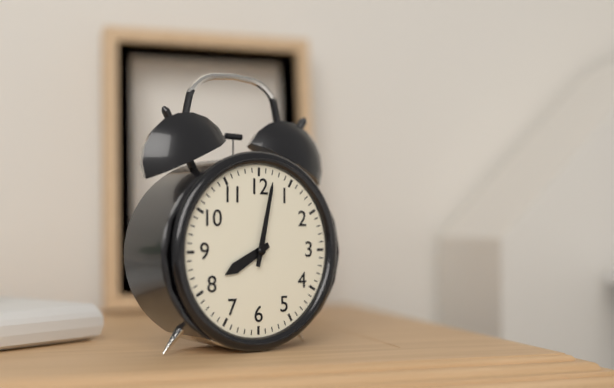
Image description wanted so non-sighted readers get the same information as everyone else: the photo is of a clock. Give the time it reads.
8:02
